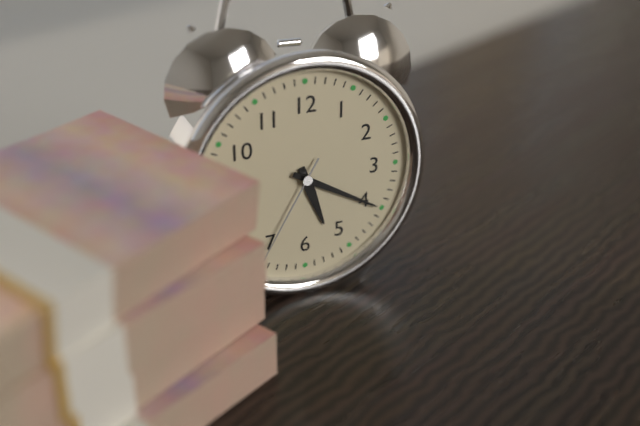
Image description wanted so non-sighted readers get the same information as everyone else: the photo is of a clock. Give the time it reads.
5:20:35
